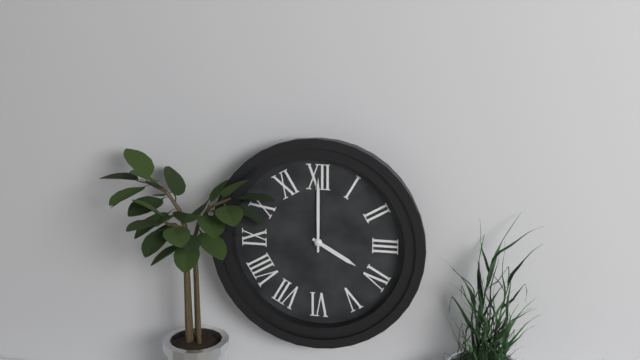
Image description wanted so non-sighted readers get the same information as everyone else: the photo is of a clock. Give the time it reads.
4:00
